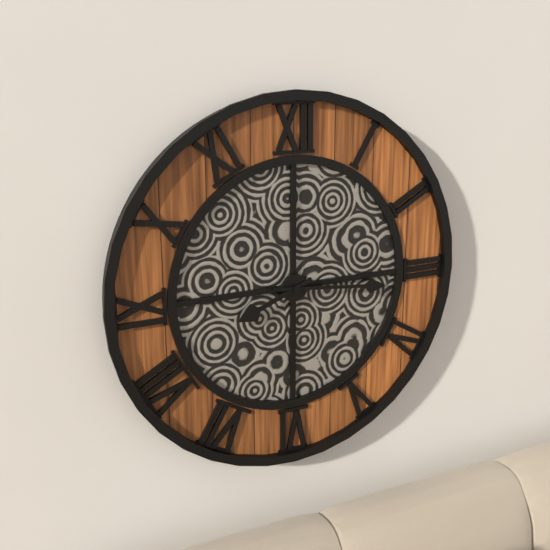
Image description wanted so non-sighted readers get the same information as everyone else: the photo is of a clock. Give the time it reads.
8:16
